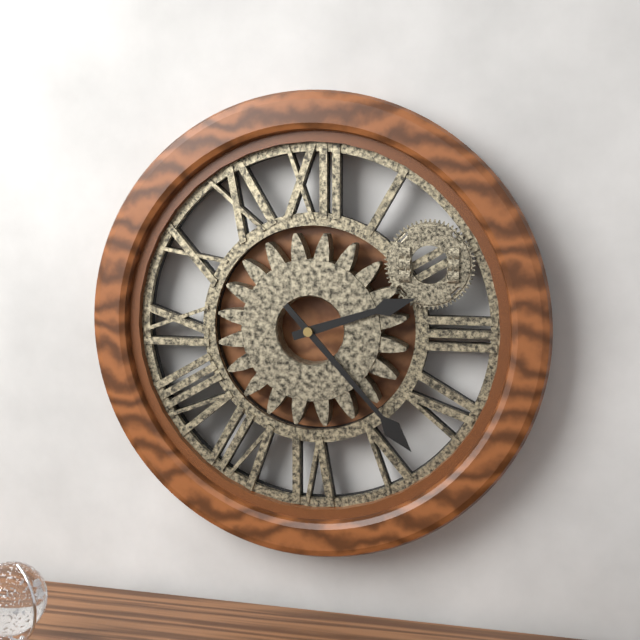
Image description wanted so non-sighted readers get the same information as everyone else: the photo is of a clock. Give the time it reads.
2:23
